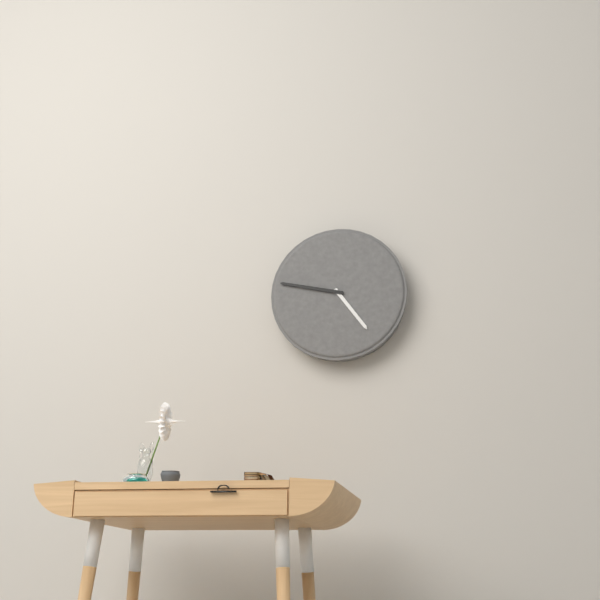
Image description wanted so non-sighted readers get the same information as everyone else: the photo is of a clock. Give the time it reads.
4:47
